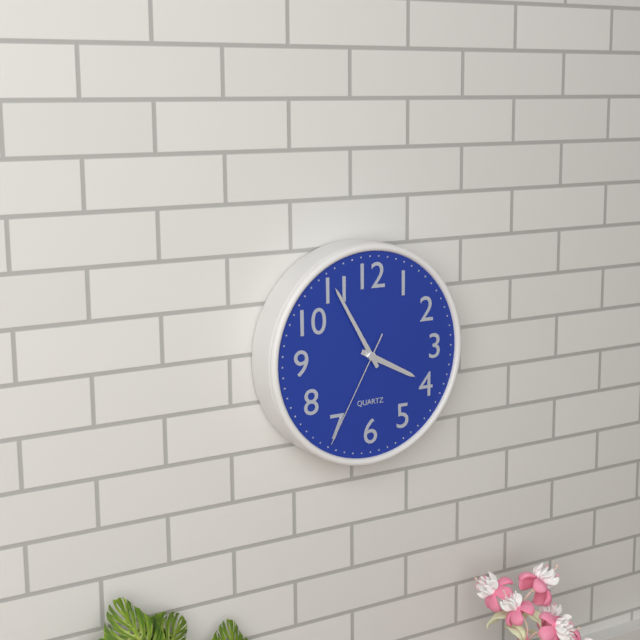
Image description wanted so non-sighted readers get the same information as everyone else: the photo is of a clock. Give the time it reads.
3:55:35
